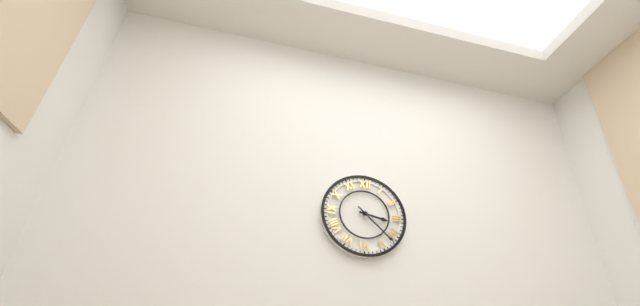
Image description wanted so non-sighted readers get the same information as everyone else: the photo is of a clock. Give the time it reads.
3:22
